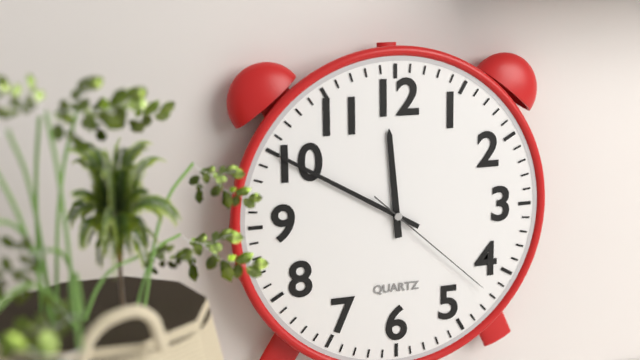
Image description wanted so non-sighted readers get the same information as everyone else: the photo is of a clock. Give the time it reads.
11:50:22
